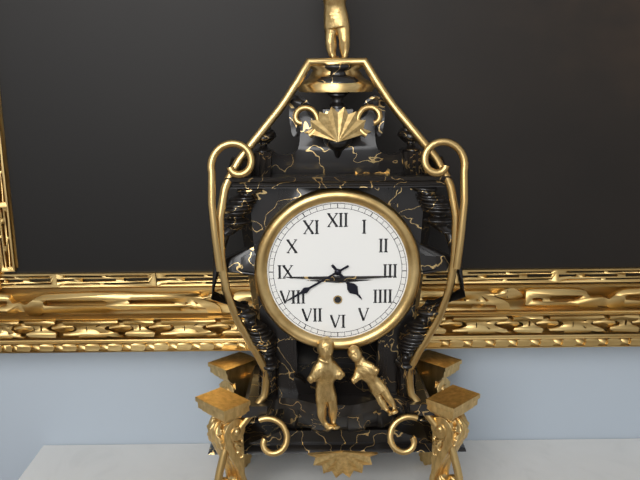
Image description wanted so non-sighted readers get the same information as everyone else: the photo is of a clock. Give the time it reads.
4:40
